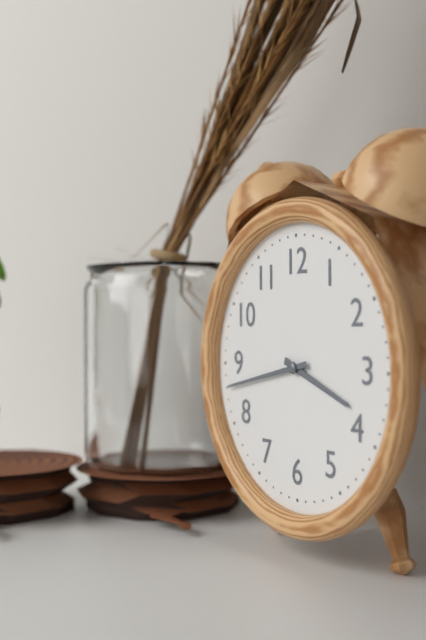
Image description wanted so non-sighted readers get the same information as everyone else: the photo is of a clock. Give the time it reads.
3:43
